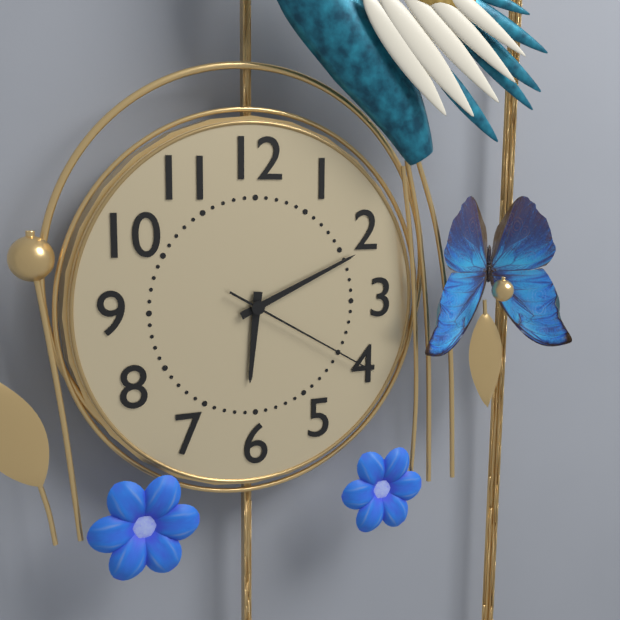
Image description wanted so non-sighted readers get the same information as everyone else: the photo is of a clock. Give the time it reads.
6:11:20
